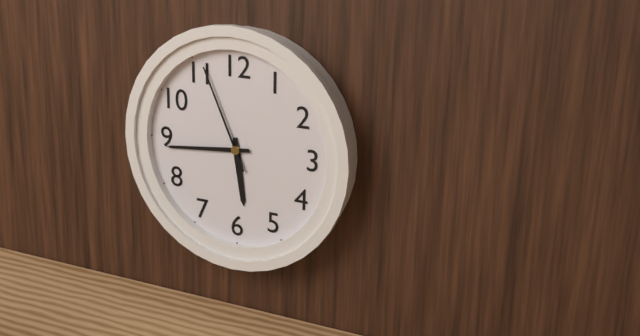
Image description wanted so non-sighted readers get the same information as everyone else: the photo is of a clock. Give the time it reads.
5:44:56
